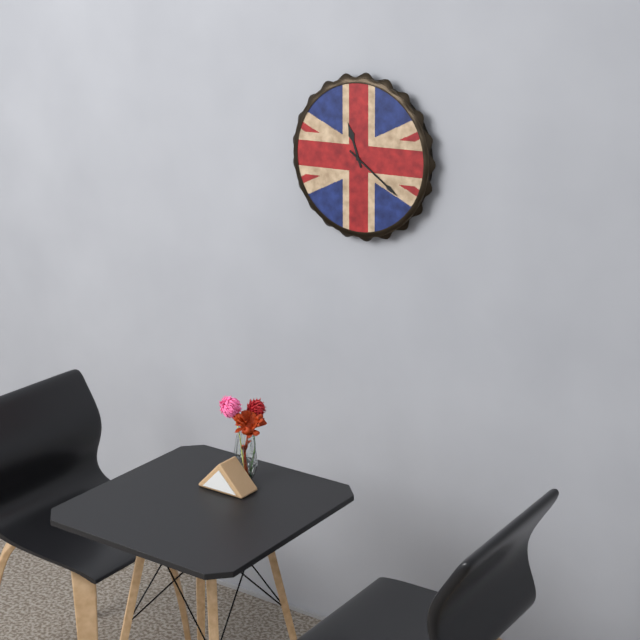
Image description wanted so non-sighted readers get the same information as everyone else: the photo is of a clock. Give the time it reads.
11:21
